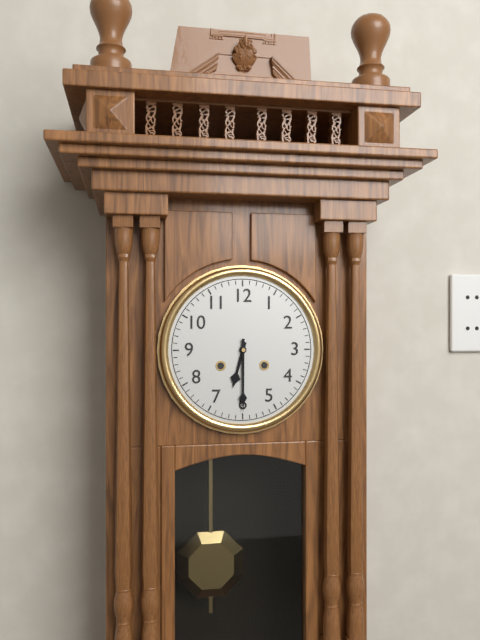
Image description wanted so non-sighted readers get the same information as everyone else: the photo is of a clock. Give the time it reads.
6:30
